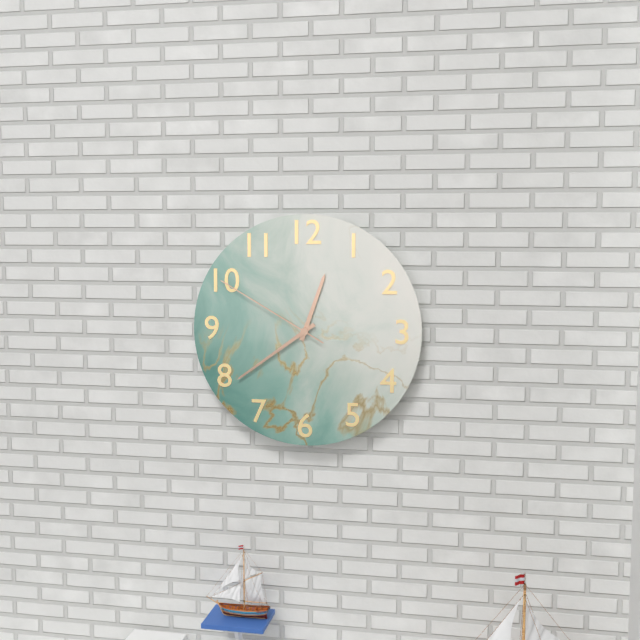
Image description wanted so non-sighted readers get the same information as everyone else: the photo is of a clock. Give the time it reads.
12:39:50
